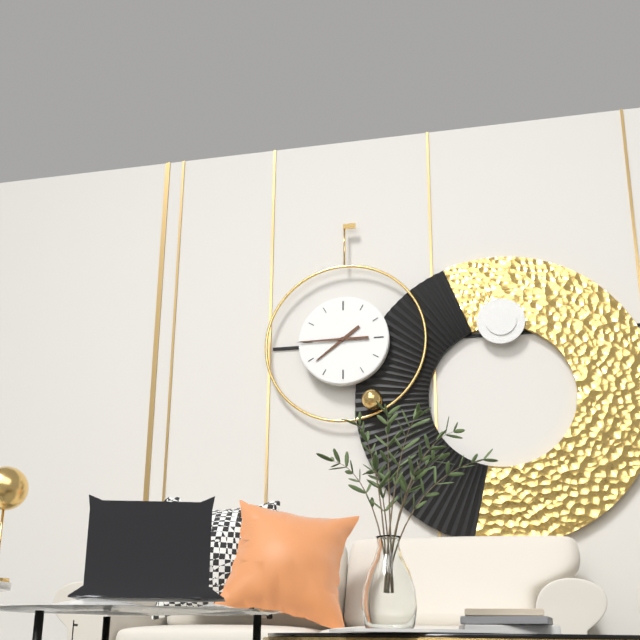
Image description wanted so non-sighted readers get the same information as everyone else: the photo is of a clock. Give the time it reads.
7:45
